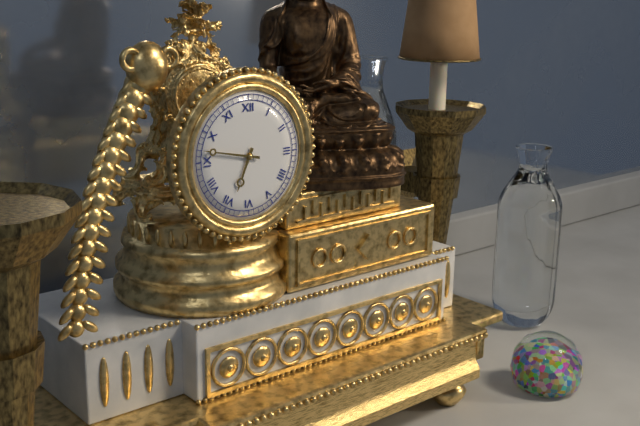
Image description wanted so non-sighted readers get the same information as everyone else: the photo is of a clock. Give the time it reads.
6:47
